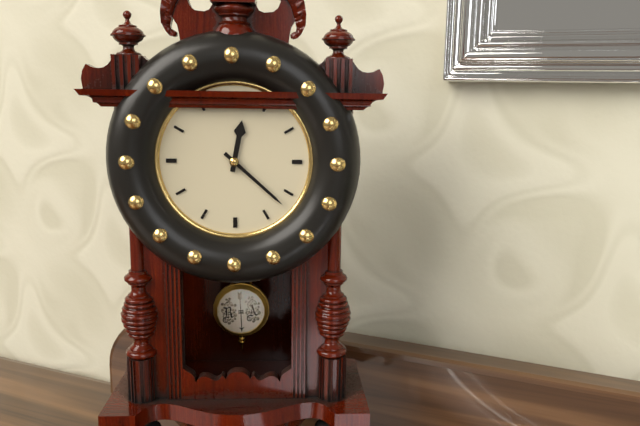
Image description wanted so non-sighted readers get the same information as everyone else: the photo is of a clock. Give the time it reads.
12:22
